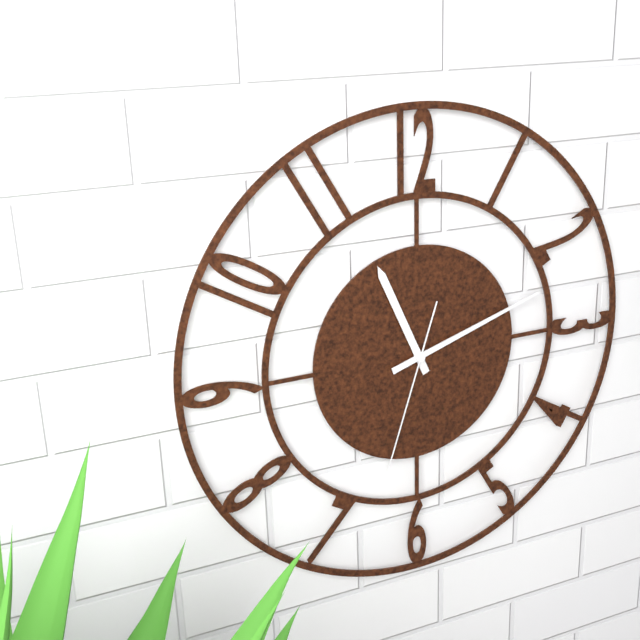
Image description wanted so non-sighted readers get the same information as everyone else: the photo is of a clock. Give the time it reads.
11:12:33
